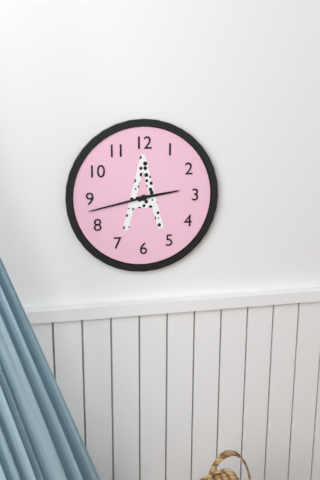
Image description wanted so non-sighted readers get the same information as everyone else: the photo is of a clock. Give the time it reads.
2:43
